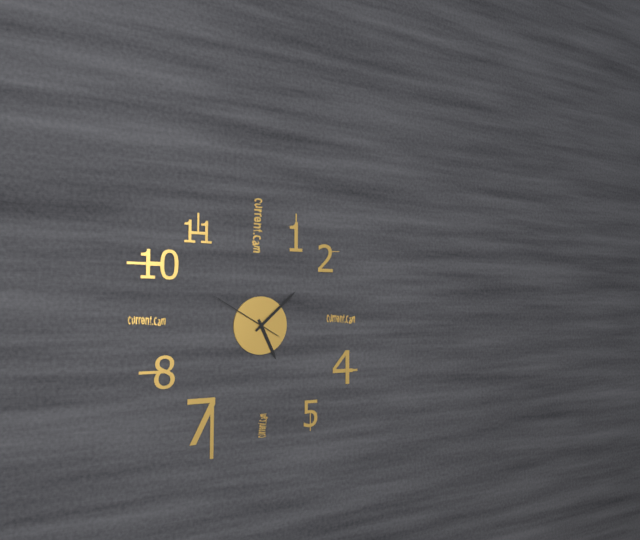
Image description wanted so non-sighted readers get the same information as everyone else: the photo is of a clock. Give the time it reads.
5:08:50
